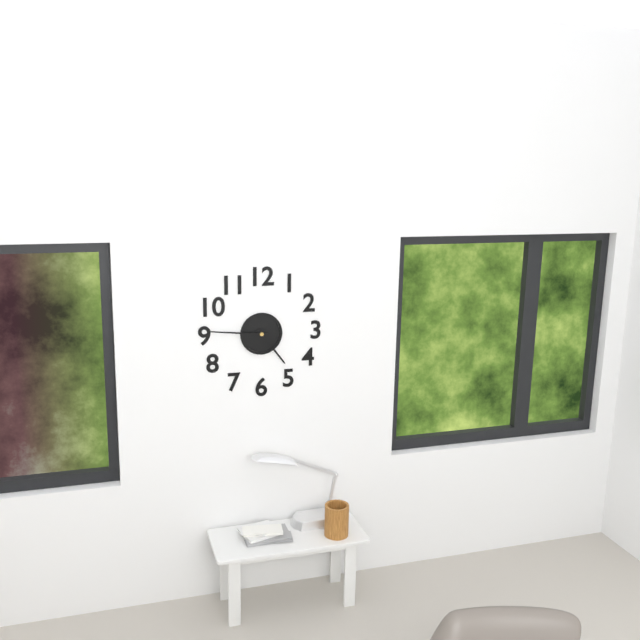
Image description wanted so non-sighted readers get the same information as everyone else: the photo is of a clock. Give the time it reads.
4:46
